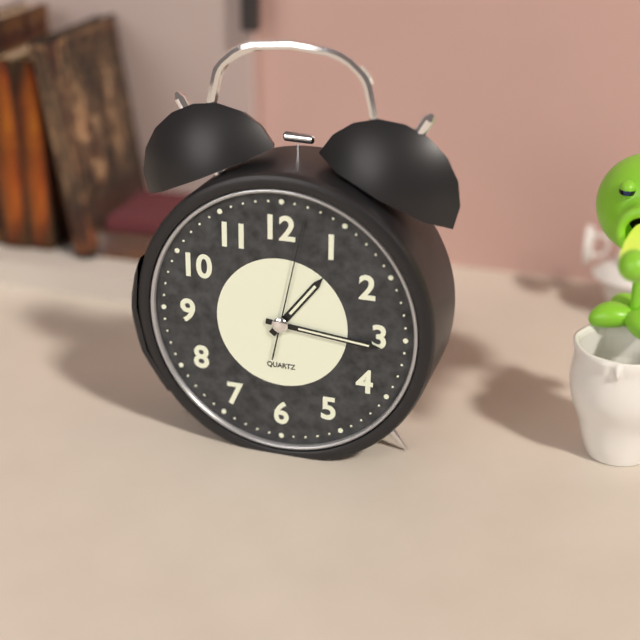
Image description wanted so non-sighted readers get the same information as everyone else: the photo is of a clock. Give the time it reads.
1:16:02
